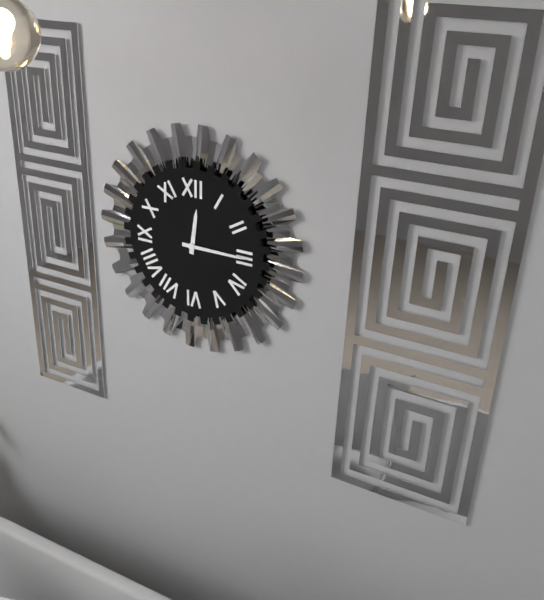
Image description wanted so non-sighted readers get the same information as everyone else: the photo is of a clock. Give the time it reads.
12:15
